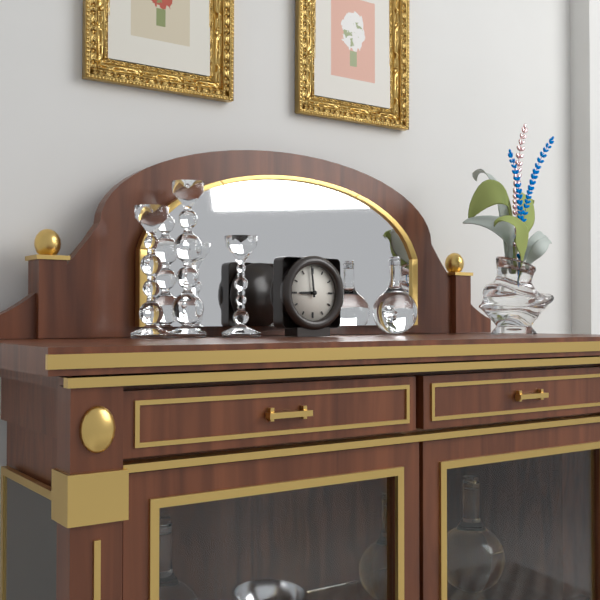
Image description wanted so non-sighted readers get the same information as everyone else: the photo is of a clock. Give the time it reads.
8:59
